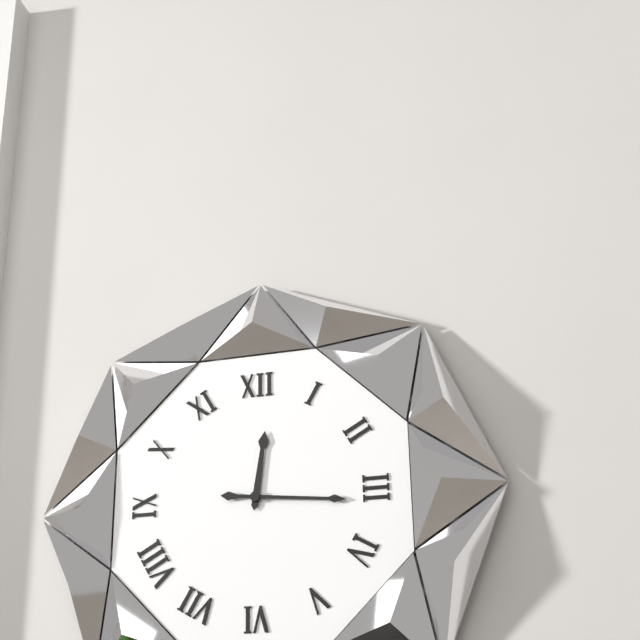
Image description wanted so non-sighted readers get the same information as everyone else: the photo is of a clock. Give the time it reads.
12:16
